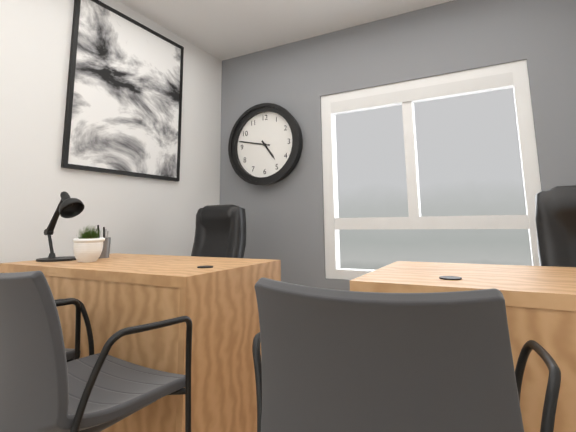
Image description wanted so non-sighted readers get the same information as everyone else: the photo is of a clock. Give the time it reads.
4:47
